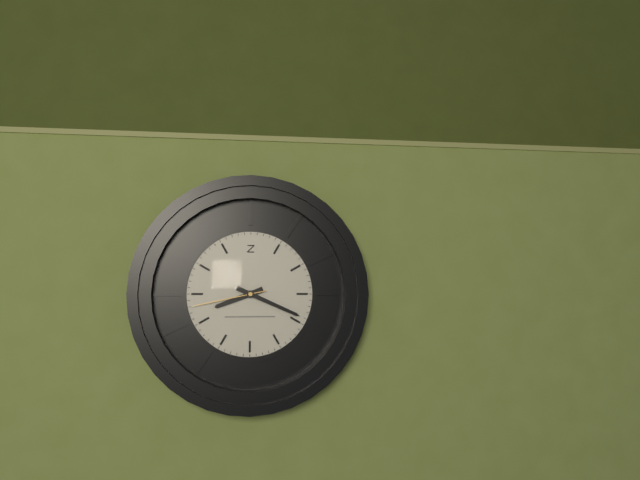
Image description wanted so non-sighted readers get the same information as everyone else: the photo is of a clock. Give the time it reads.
8:19:43
